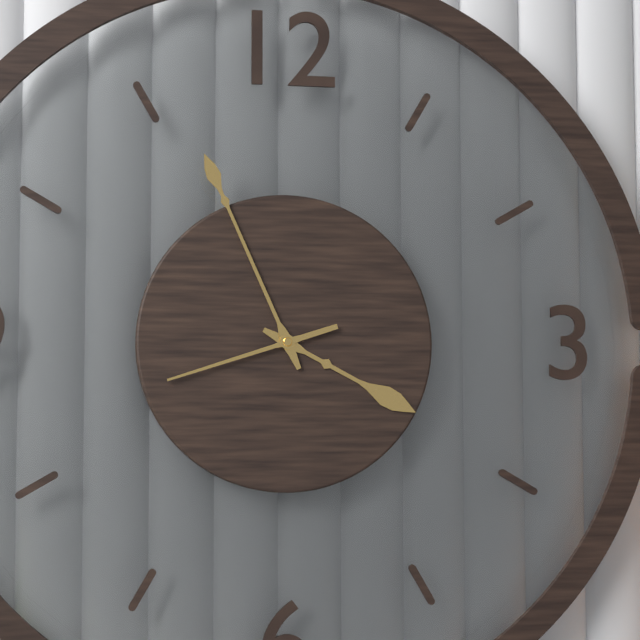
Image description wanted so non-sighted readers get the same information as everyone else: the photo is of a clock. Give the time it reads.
3:56:42
